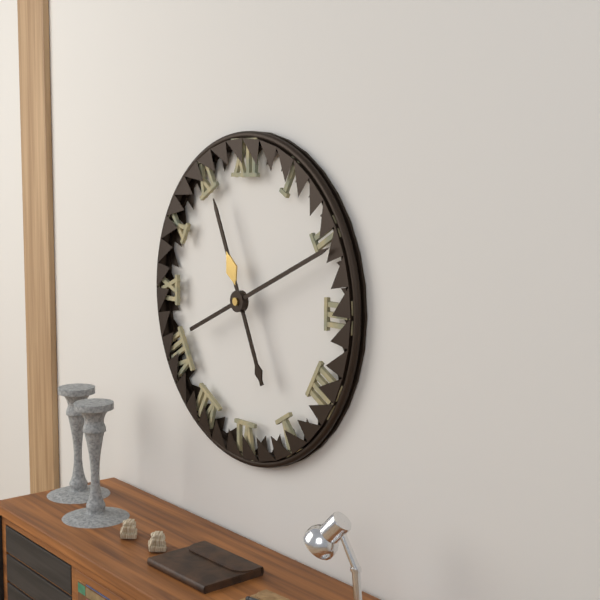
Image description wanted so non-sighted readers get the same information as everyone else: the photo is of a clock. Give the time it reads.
11:11
